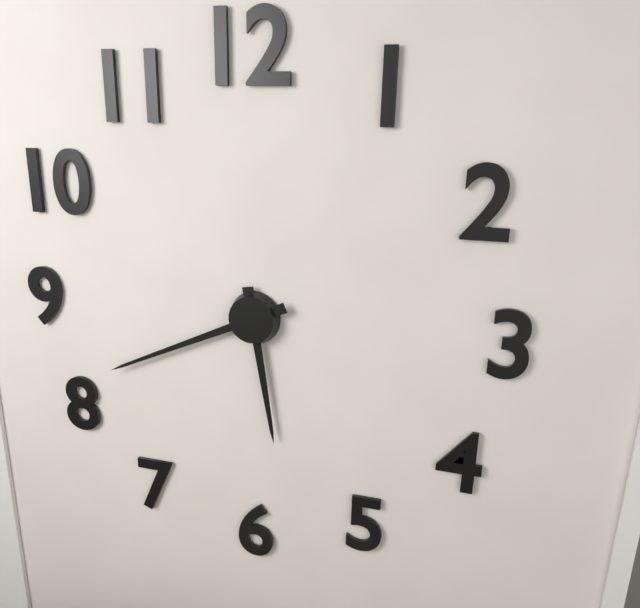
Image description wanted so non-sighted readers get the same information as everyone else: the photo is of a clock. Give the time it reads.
5:41
